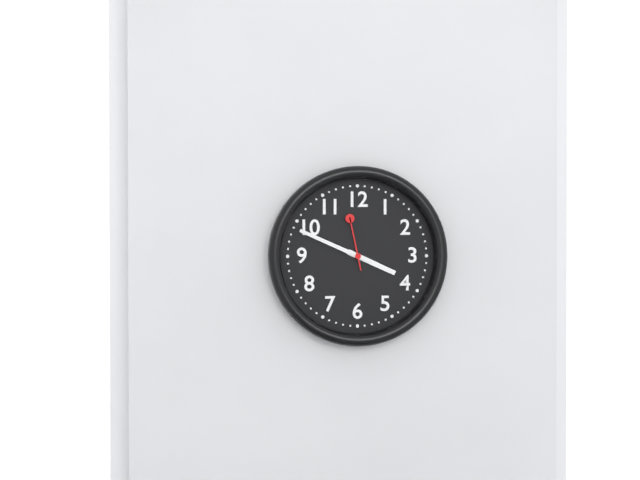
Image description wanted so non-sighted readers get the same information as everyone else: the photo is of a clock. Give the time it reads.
3:49:58
